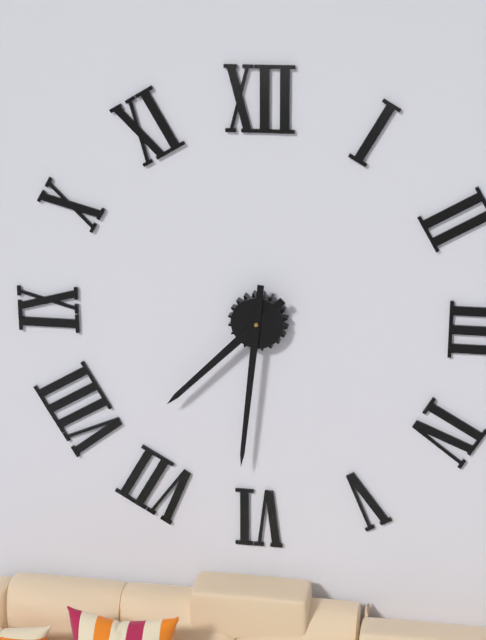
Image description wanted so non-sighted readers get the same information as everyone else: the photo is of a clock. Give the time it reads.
7:31
